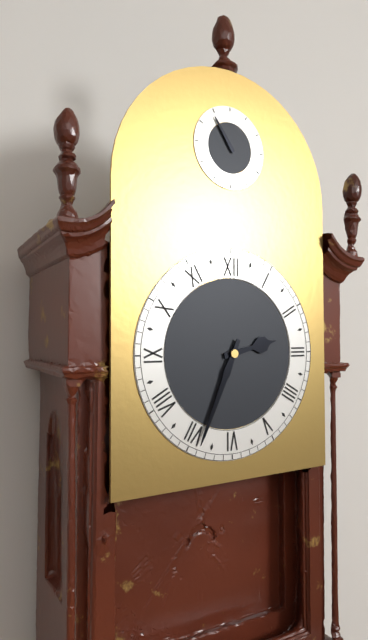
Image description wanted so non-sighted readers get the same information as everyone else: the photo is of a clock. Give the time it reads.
2:34
